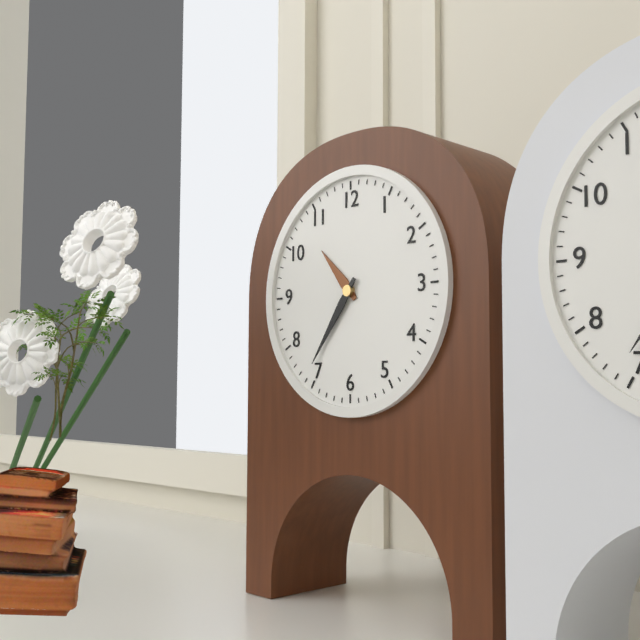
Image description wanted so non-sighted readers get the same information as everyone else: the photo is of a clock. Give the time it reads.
10:36
